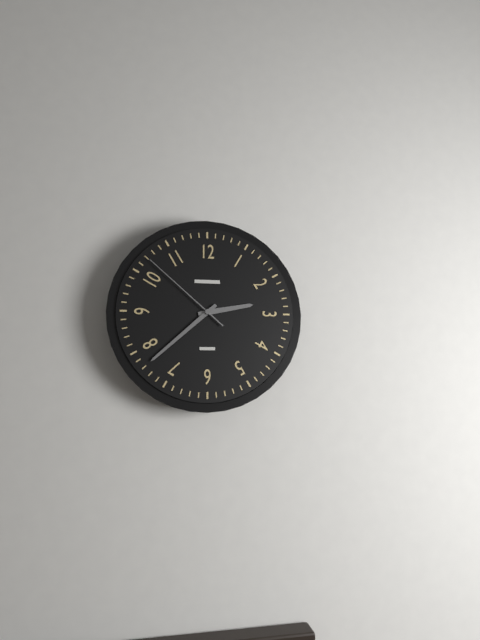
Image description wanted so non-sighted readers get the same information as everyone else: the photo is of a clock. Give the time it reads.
2:38:52
